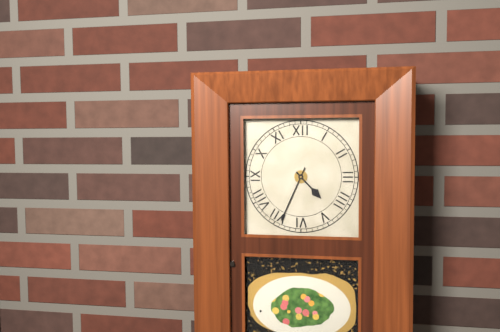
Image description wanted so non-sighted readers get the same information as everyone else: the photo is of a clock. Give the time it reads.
4:34
